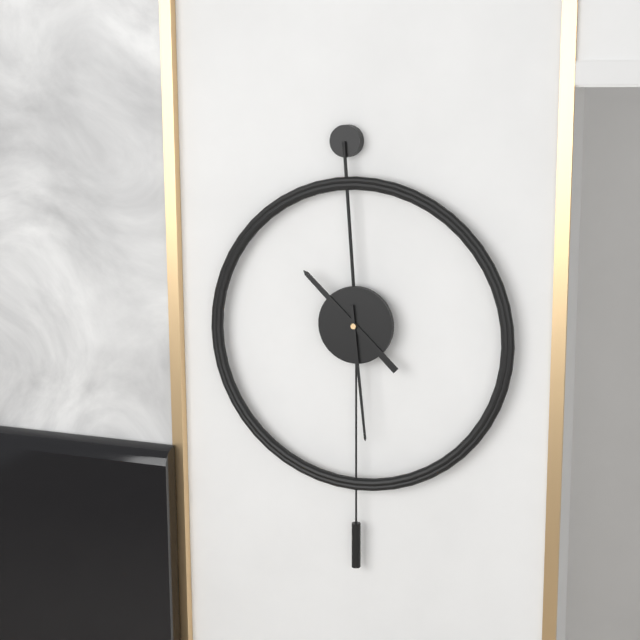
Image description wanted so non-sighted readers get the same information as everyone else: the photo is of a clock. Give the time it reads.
10:29
